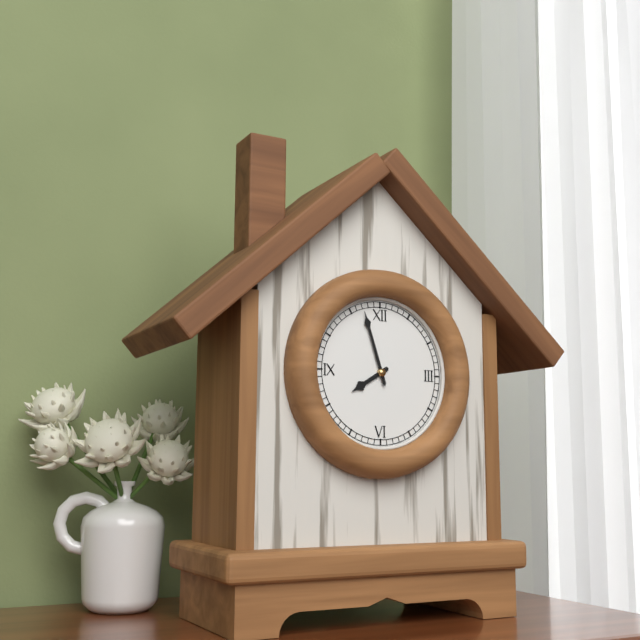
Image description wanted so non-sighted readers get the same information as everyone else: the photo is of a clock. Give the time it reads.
7:57
